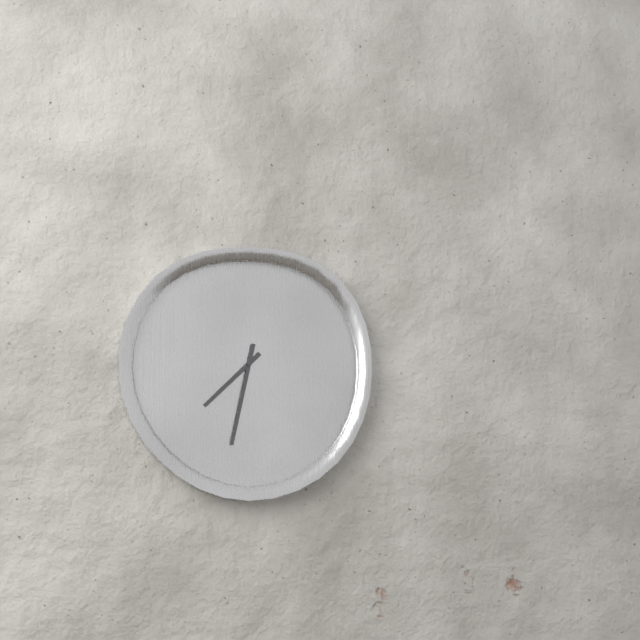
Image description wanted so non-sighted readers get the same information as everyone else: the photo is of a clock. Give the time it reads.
7:32
